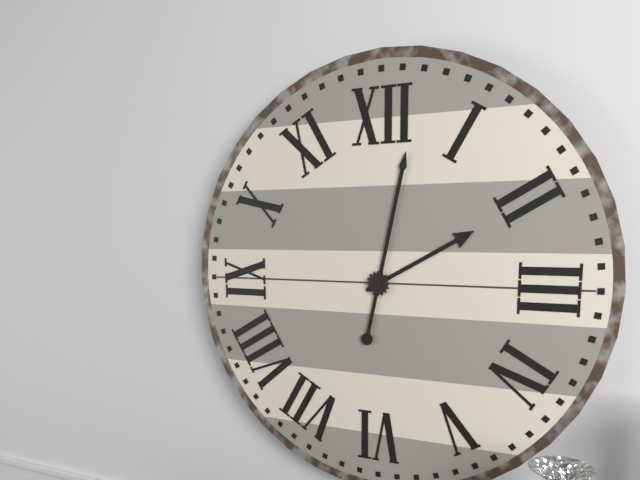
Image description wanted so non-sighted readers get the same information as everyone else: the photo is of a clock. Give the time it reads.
2:02
